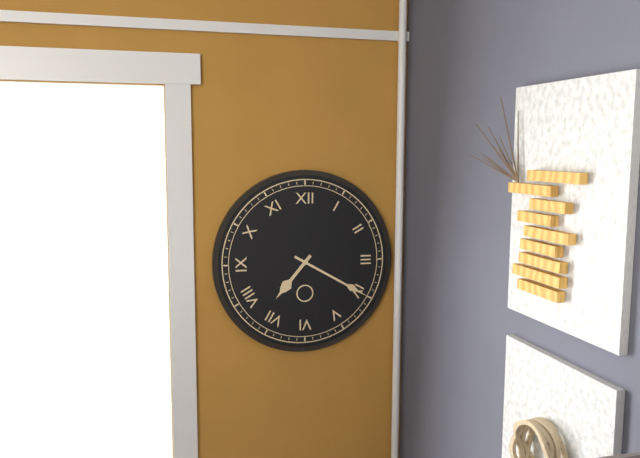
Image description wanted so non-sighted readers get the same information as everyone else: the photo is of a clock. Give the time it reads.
7:20
